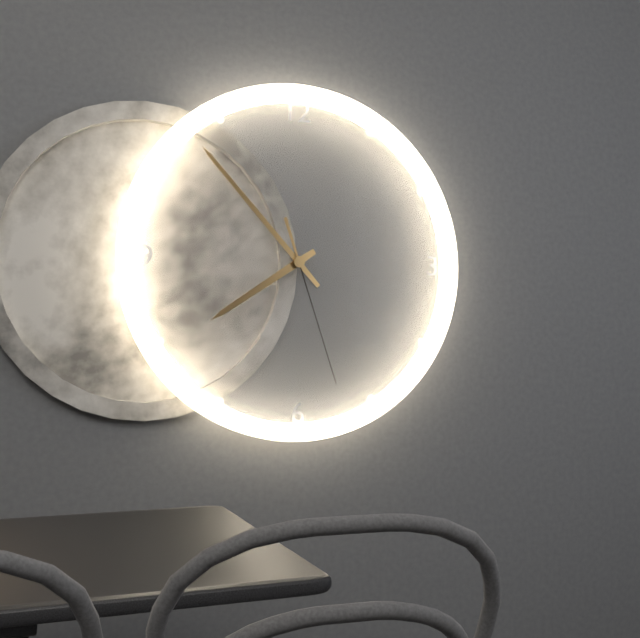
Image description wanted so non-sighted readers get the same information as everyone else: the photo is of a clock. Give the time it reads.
7:53:27
